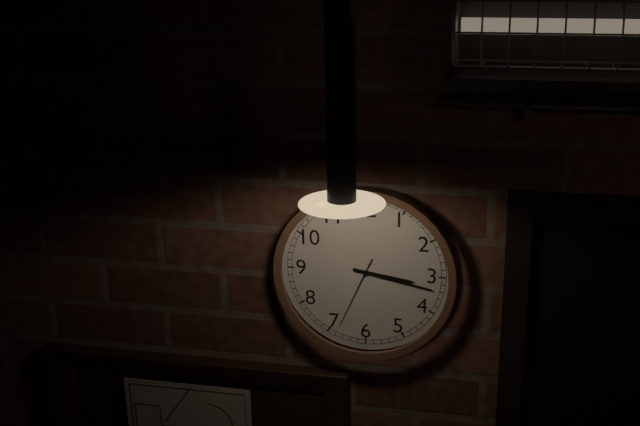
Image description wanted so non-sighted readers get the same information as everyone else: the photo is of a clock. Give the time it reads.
3:17:34
